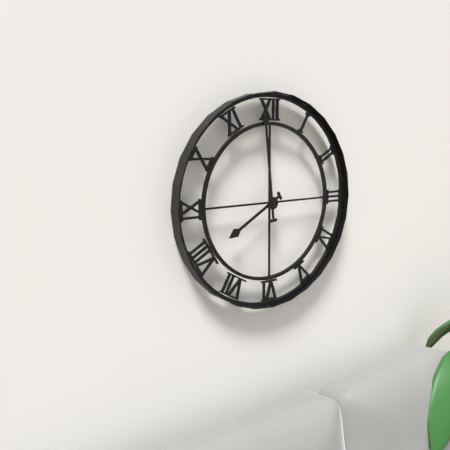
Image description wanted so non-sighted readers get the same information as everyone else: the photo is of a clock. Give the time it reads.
7:59
